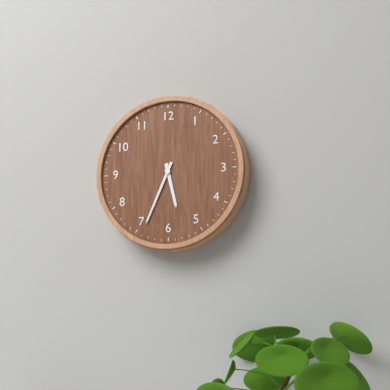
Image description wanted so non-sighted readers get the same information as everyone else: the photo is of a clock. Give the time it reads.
5:34
